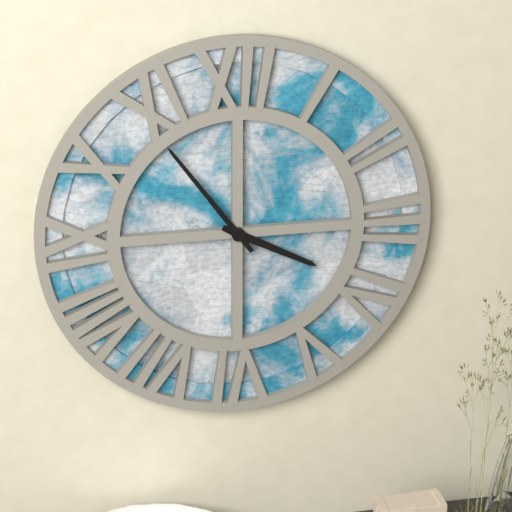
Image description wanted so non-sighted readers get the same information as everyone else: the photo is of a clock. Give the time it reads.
3:54
